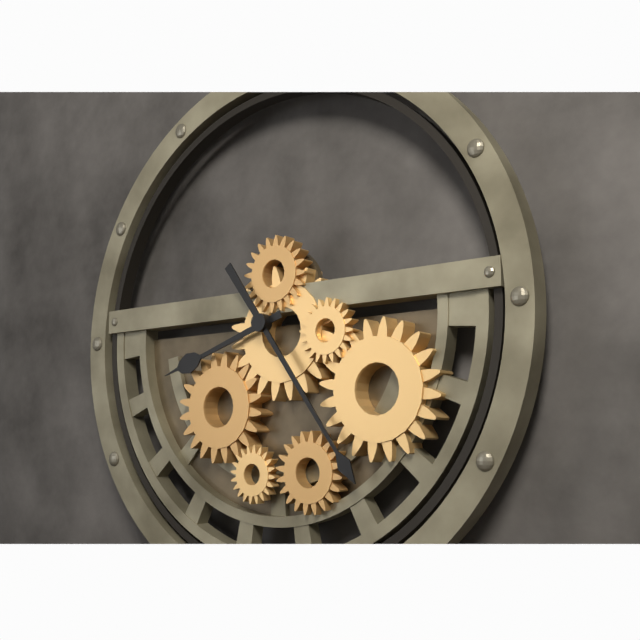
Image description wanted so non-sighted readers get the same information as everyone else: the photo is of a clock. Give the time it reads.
8:24
